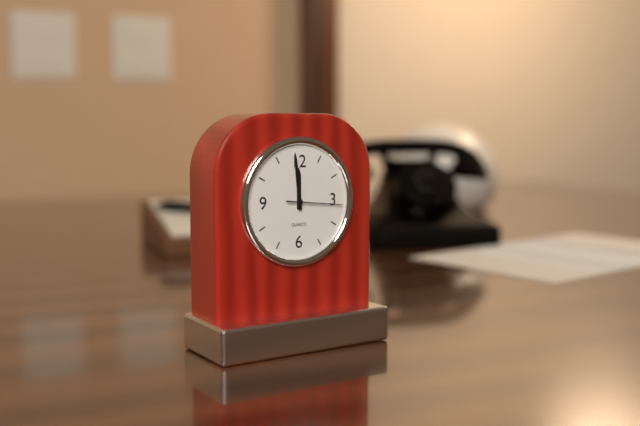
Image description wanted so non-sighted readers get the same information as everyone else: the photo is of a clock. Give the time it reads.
11:59:16
